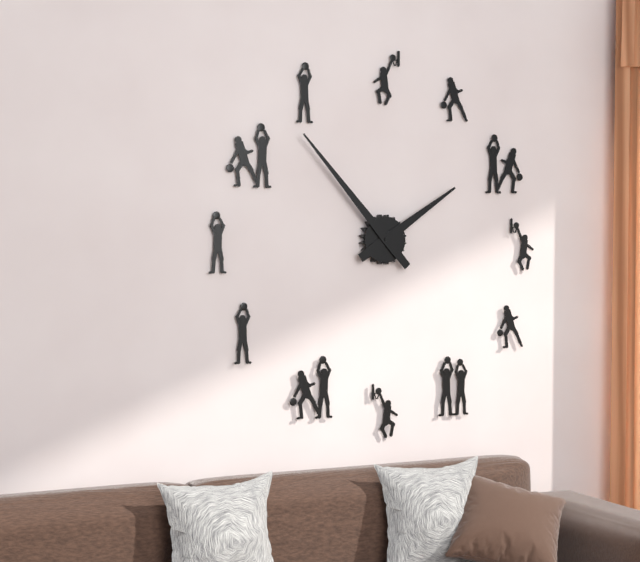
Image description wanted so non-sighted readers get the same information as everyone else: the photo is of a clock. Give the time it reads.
1:53
